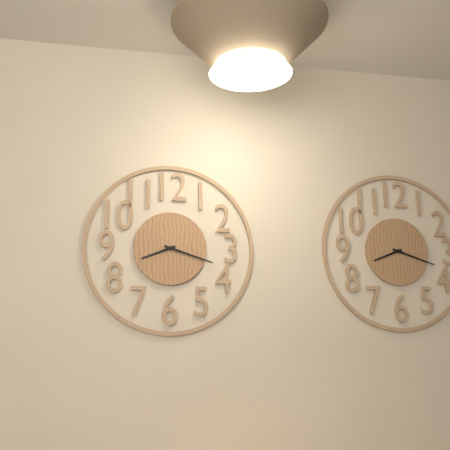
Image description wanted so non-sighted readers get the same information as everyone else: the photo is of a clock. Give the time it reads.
8:18
